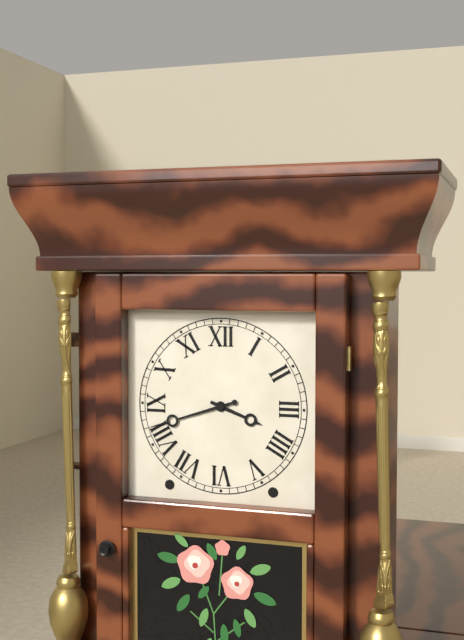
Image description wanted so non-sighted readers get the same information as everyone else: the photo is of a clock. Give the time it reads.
3:42
